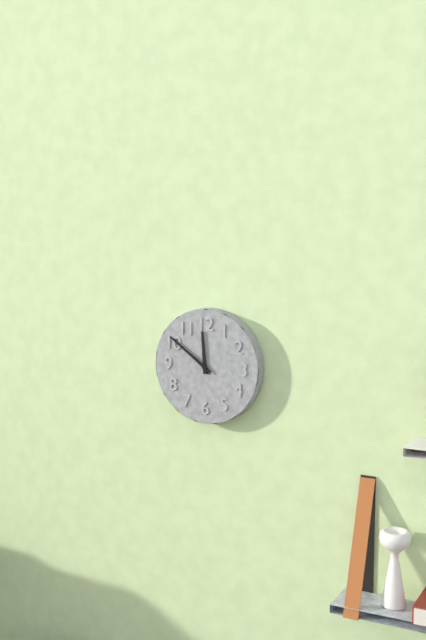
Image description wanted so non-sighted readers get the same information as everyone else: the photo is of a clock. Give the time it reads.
11:51
